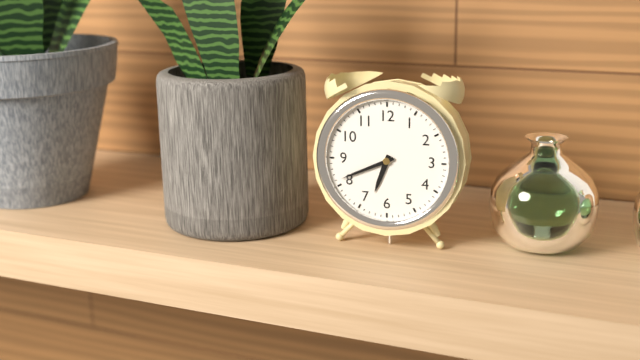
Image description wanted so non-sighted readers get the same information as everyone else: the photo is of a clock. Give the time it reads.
6:41
